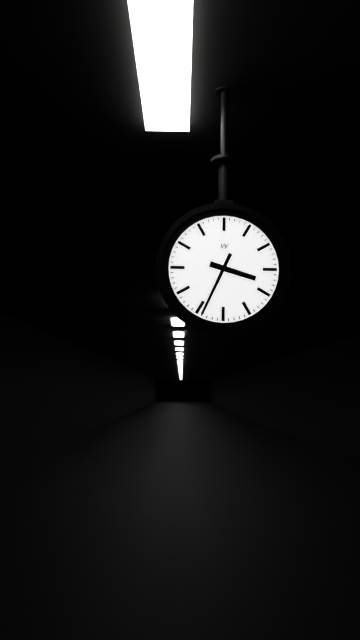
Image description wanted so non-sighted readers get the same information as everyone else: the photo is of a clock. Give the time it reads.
3:34
